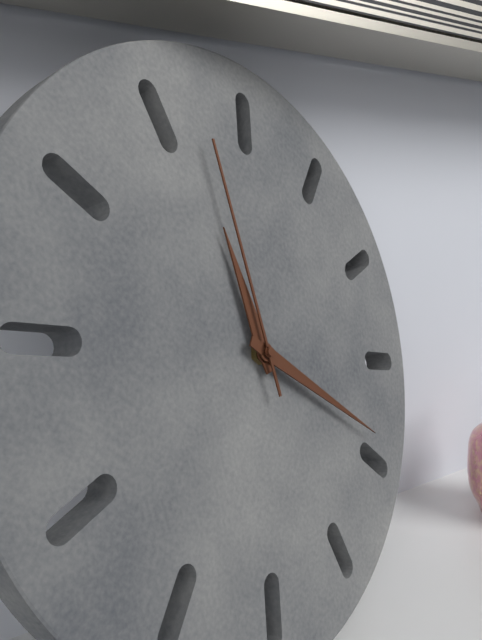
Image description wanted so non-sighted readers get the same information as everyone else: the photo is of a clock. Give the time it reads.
10:14:52
